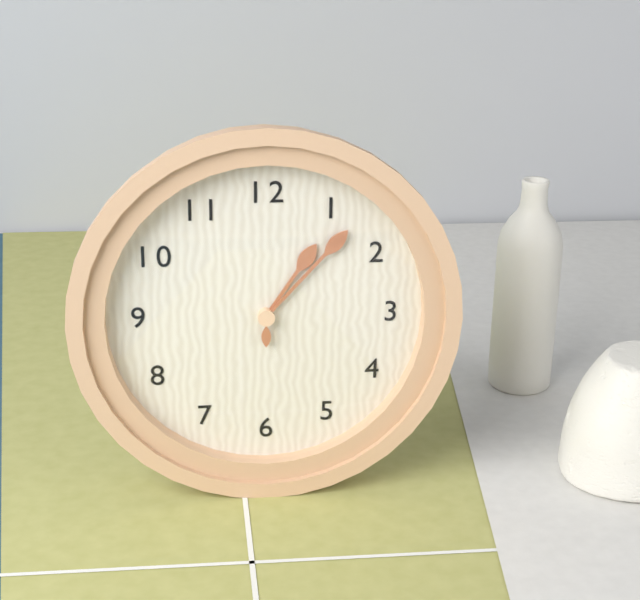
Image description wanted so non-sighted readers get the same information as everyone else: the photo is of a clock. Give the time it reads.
1:07
